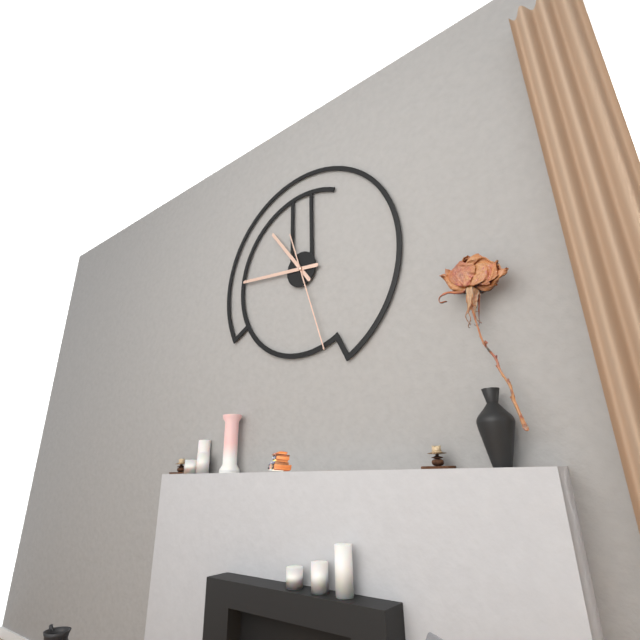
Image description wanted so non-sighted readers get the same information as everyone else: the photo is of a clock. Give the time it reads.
10:46:27
